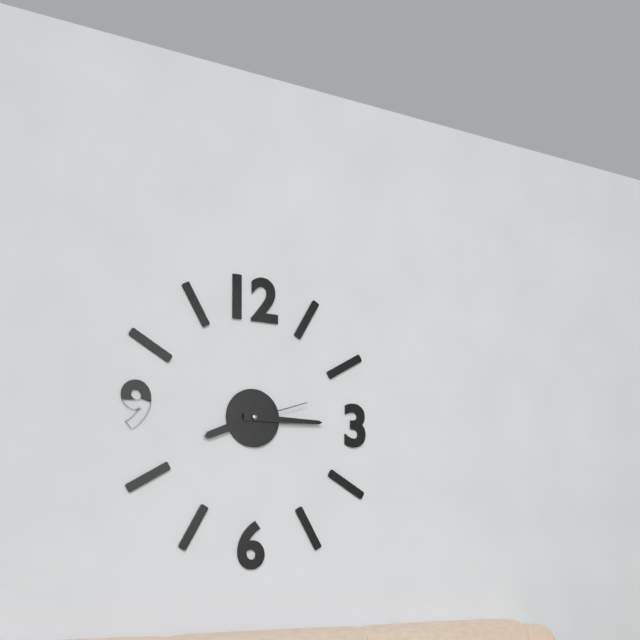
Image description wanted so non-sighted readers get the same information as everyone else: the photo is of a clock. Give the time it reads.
8:15:12
